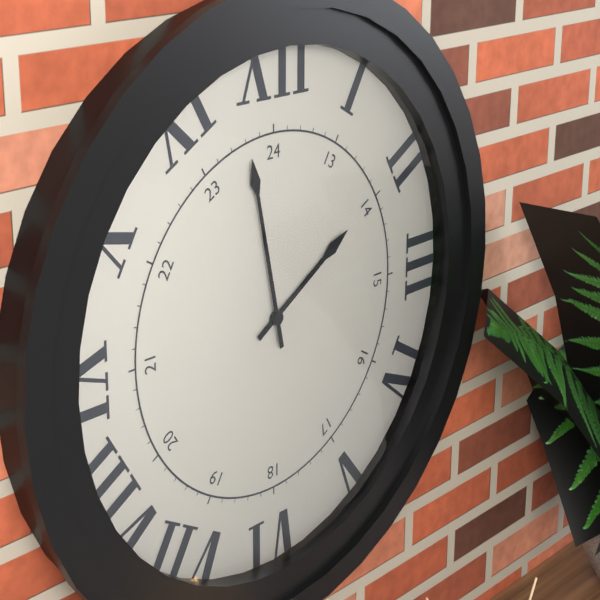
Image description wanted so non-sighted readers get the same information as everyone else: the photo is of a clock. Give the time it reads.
1:58
